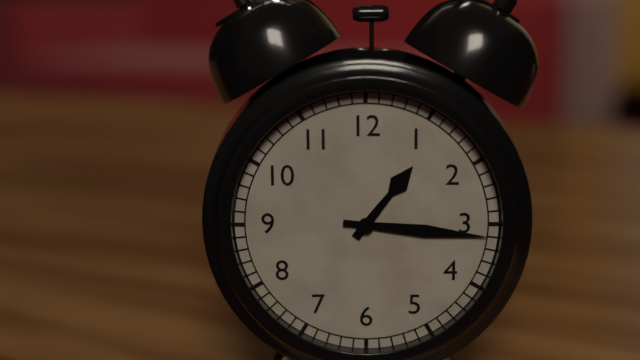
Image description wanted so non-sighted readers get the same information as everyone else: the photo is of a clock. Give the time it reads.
1:16
